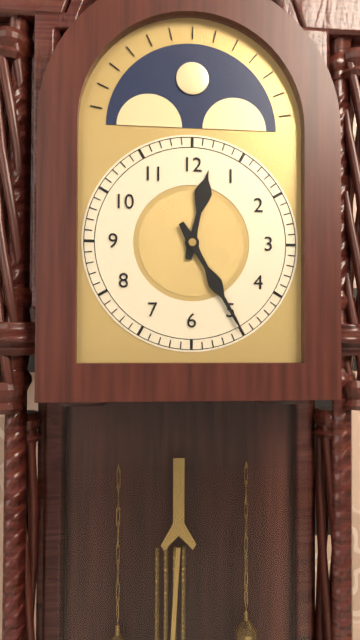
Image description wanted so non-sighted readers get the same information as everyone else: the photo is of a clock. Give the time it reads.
12:25
